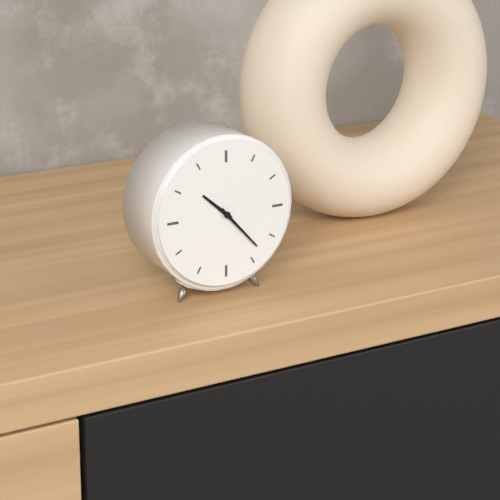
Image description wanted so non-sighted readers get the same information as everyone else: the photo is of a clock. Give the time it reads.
10:23
